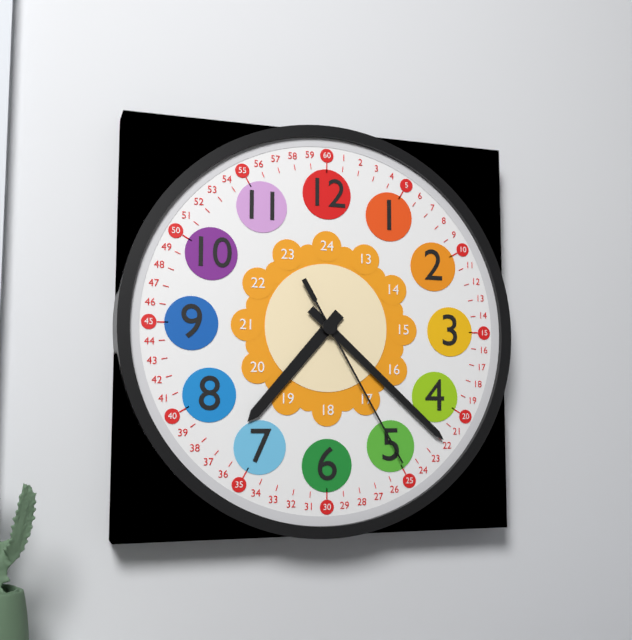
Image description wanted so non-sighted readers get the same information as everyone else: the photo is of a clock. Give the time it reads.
7:22:25
